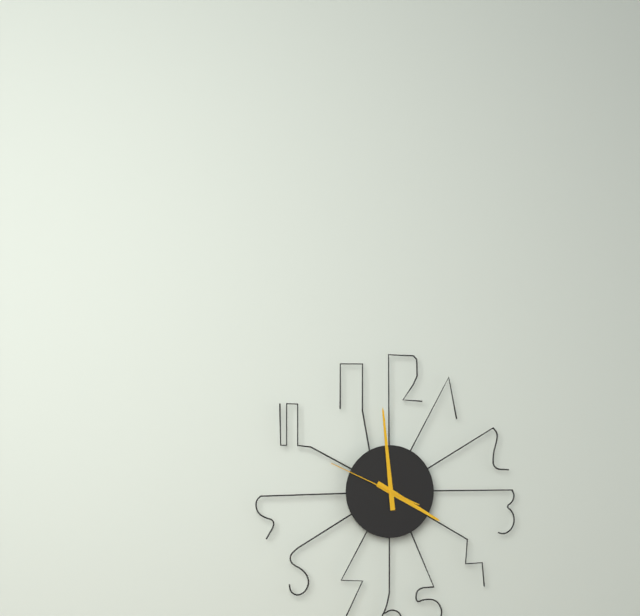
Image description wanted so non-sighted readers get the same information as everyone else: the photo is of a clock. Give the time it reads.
3:59:49
